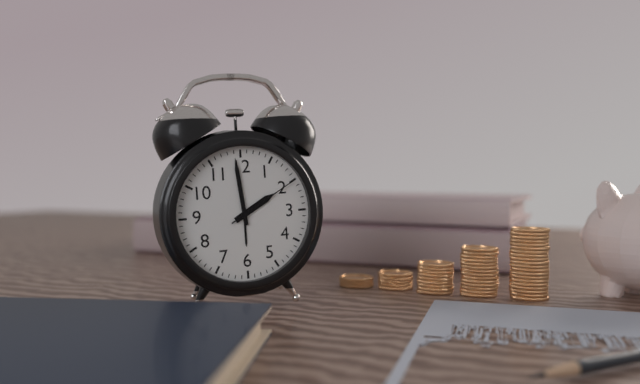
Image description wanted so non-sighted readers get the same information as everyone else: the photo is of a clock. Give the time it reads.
1:59:10
